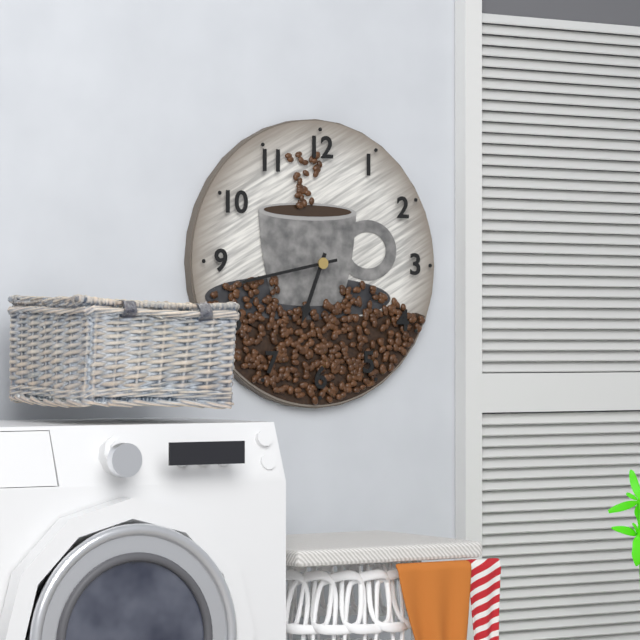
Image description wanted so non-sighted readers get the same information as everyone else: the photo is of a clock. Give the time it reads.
6:43
